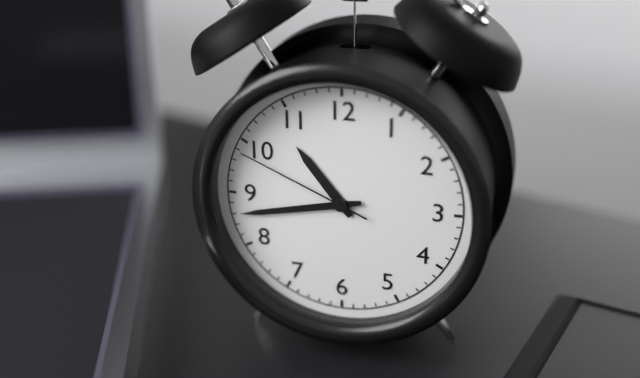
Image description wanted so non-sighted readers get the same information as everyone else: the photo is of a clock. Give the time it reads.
10:43:49
